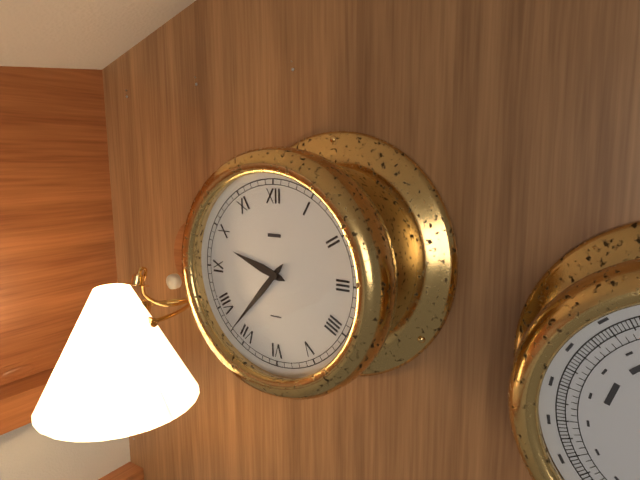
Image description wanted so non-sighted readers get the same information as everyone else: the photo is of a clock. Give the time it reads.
9:37
